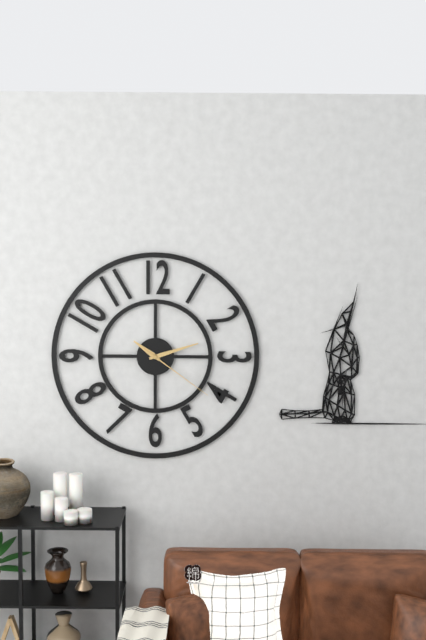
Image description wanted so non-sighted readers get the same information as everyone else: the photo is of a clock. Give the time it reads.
10:12:21
